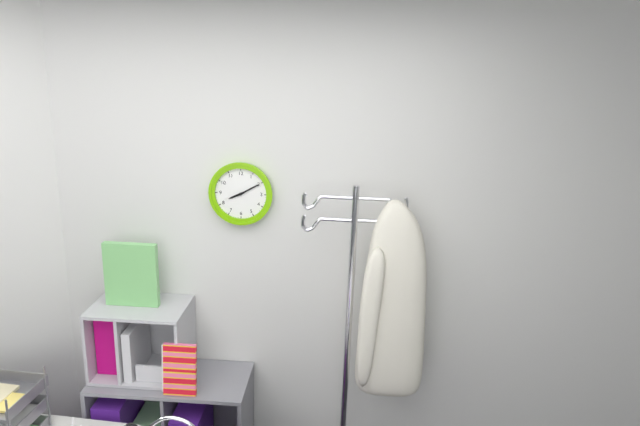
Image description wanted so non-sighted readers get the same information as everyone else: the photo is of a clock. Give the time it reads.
8:10
